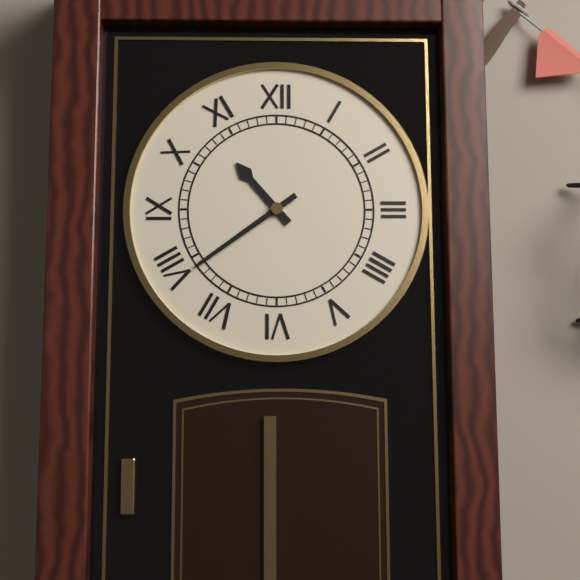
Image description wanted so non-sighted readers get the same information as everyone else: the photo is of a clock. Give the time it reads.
10:39
